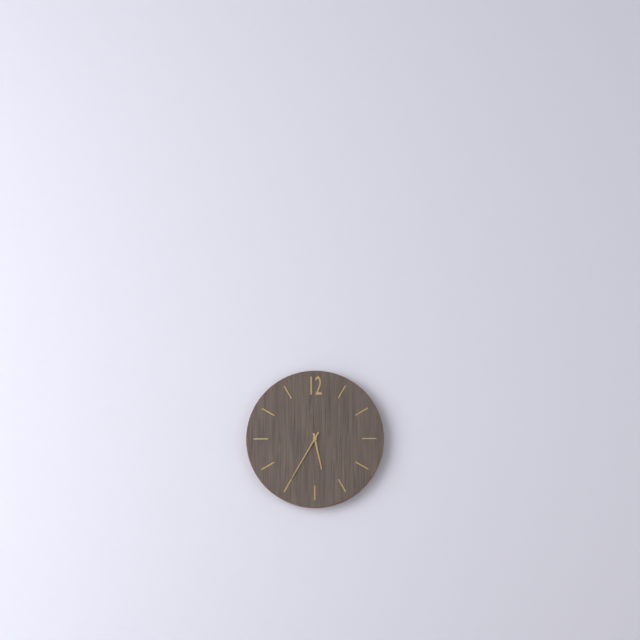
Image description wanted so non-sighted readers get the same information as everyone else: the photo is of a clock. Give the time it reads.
5:35
